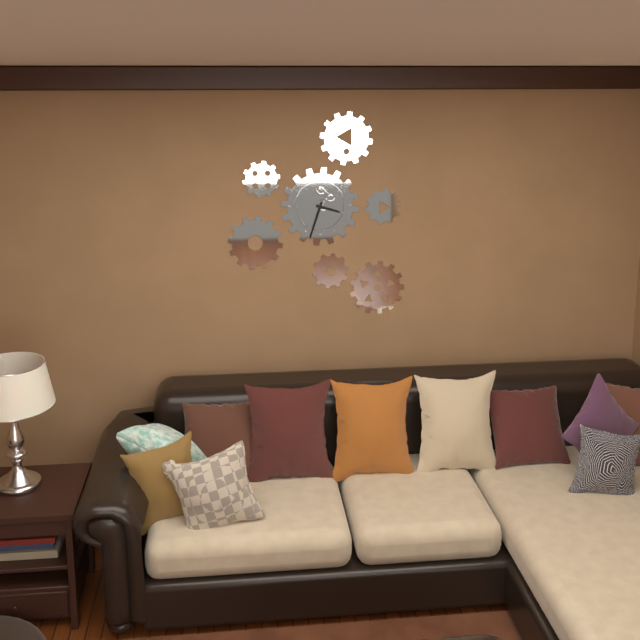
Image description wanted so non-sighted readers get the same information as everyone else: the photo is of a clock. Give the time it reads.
3:33
